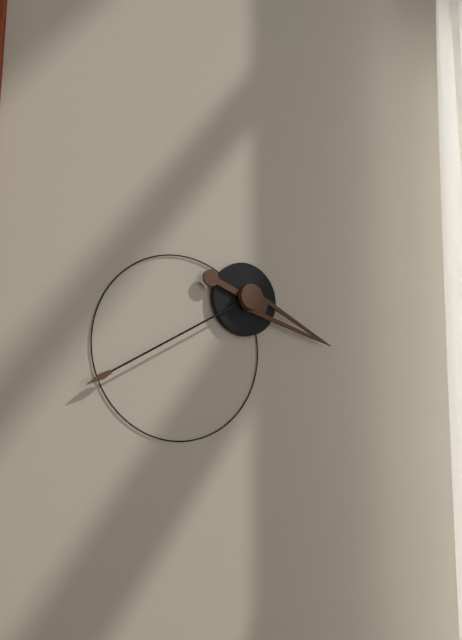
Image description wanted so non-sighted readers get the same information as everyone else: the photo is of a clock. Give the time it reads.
3:40
